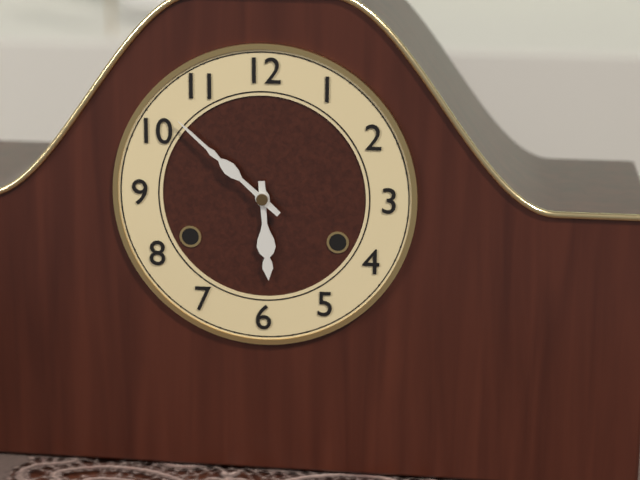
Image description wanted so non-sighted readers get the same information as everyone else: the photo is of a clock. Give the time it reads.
5:52
